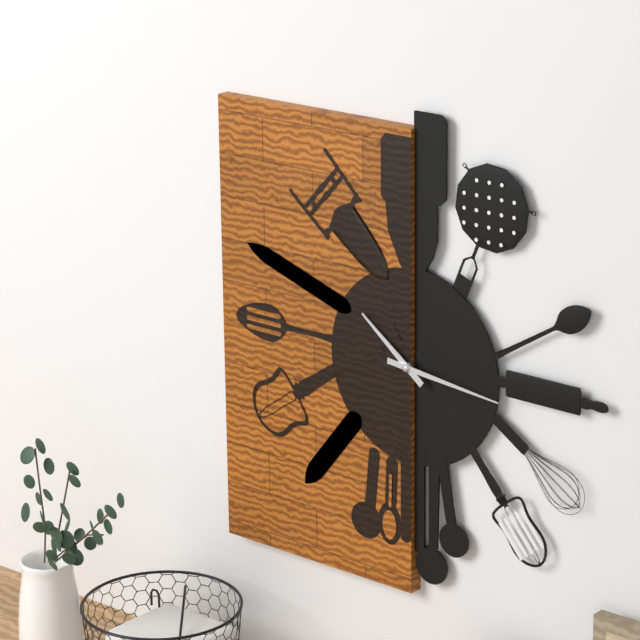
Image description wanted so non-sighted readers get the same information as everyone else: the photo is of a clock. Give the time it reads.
10:16
